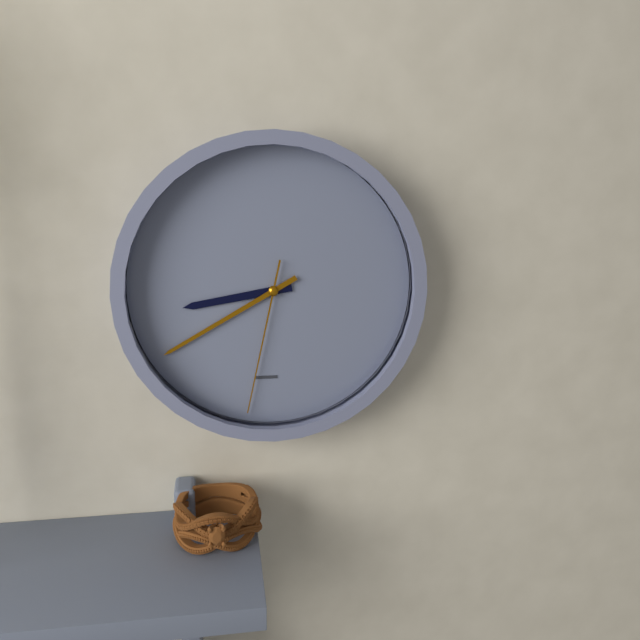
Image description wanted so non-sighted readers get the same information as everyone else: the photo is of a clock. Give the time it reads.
8:40:32
